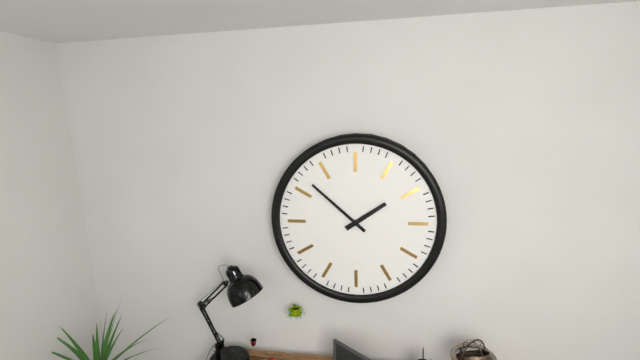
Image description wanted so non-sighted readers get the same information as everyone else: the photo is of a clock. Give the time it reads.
1:52
